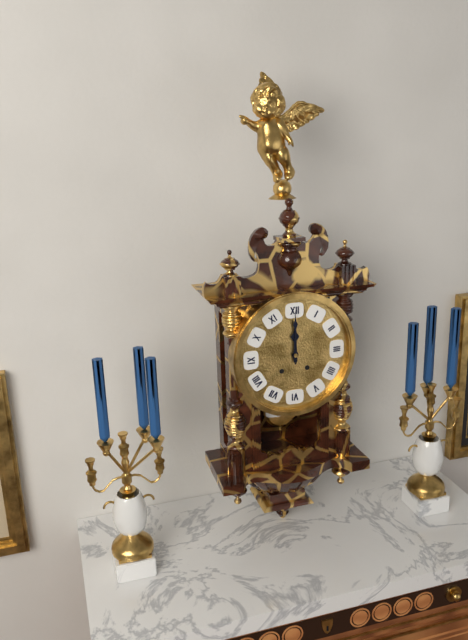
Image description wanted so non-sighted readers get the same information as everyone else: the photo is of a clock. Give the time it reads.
12:00
